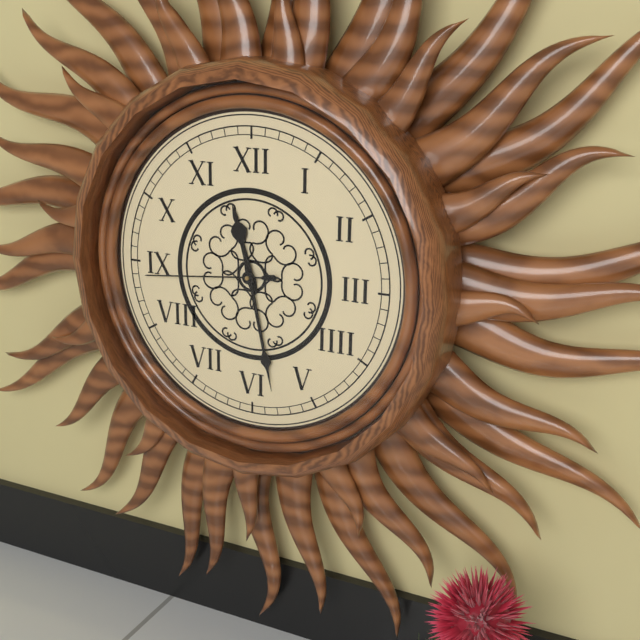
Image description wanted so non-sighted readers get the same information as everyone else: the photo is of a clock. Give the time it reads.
11:28:44
